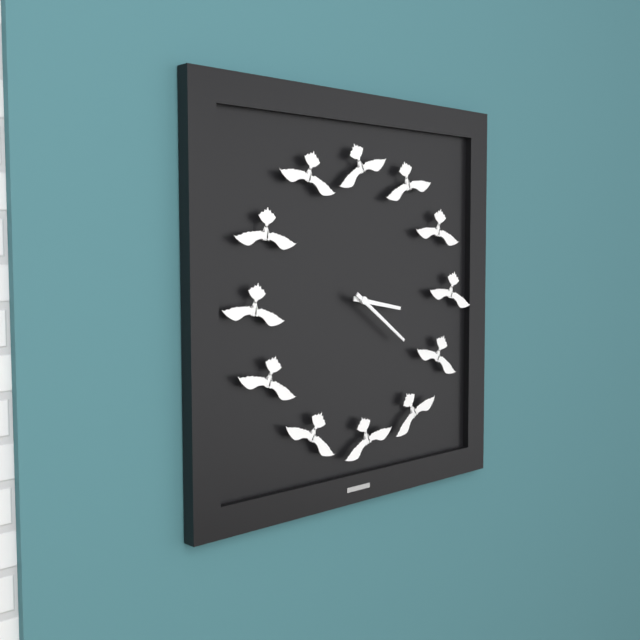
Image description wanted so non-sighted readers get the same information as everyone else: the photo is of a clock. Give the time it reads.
3:21
